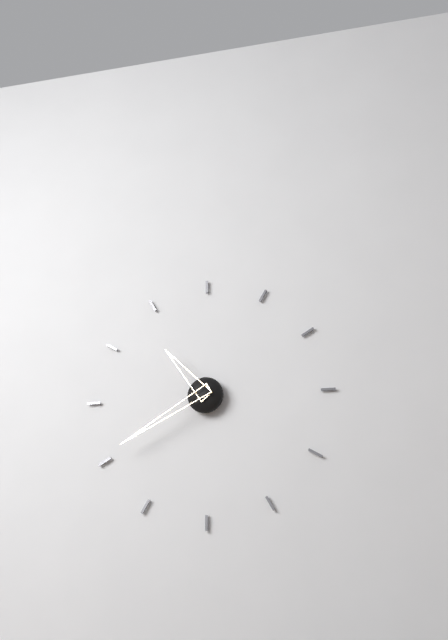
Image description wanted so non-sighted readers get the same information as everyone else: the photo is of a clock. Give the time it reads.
10:40
